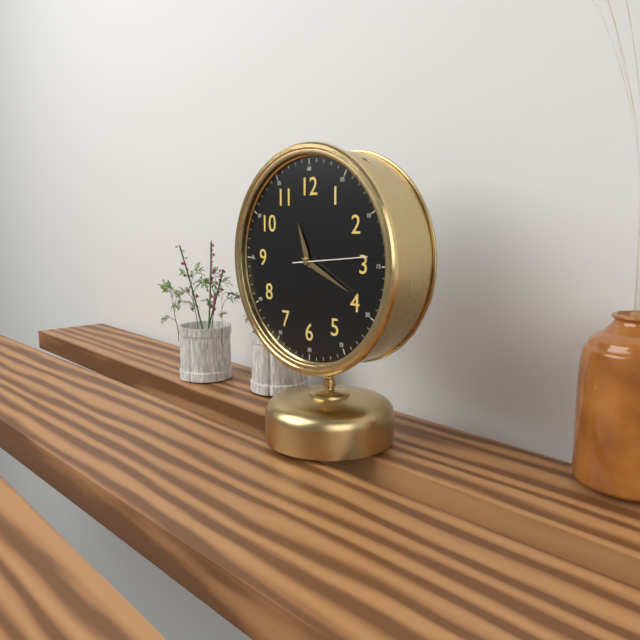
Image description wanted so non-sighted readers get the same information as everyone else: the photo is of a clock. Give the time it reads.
11:19:14
